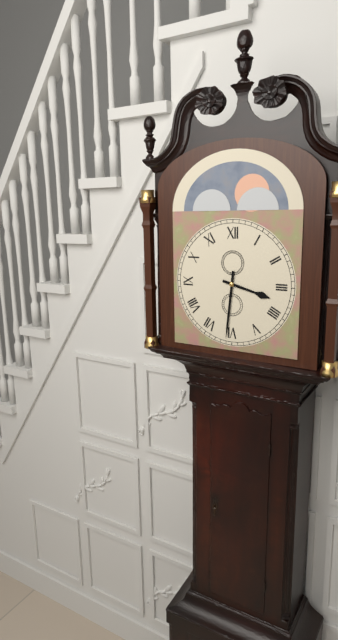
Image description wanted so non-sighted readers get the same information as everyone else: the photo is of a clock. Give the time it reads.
3:31
